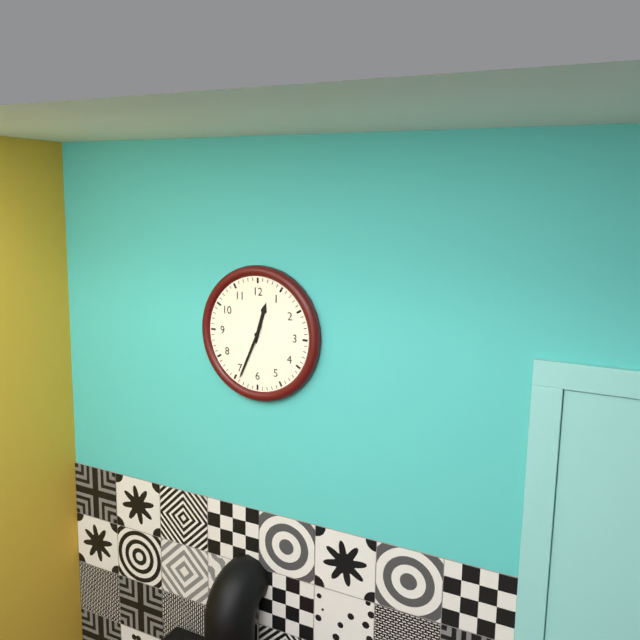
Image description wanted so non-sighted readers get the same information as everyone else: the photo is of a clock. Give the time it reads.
12:34
